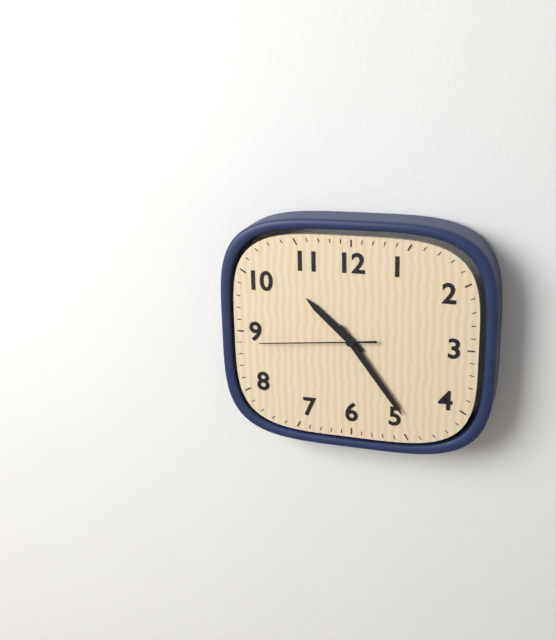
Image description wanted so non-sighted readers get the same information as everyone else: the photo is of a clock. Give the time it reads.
10:24:44
